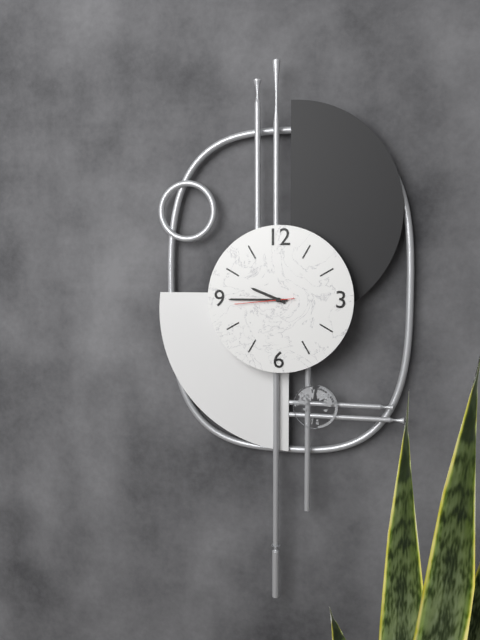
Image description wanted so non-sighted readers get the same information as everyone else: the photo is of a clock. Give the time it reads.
9:45:44
